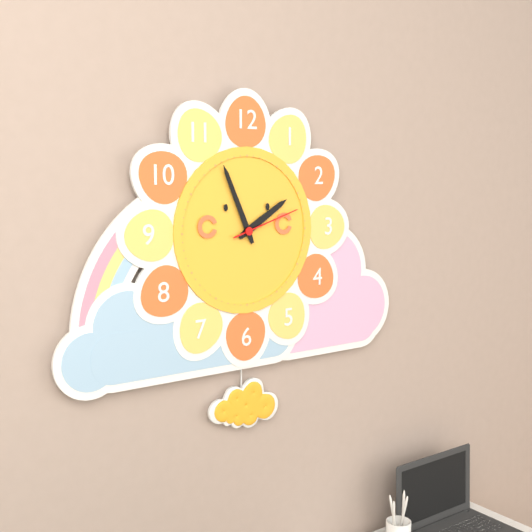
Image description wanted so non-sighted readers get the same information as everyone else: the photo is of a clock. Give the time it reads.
1:56:12
